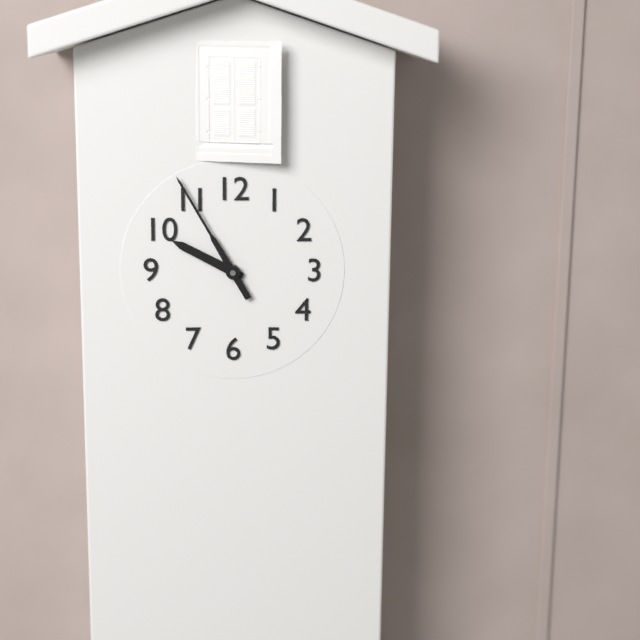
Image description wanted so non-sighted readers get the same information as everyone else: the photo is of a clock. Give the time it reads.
9:55
